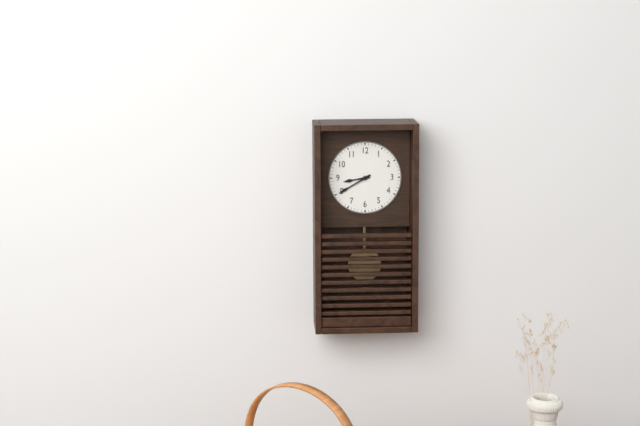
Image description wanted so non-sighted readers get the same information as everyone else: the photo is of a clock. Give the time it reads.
8:40
